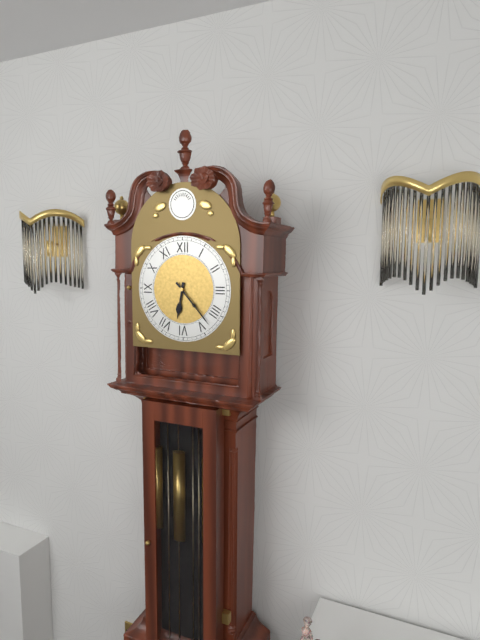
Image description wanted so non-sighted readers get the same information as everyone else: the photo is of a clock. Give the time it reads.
6:23
